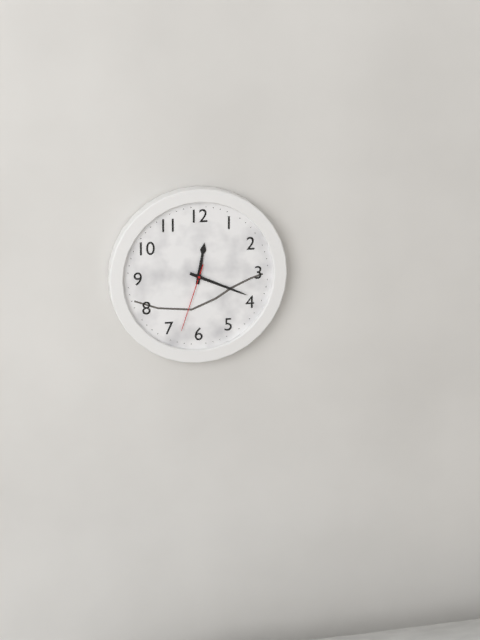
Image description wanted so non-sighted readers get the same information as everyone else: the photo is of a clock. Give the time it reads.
12:19:33
